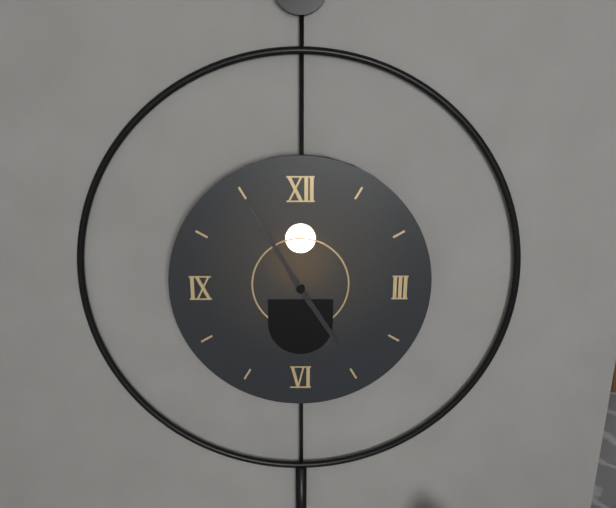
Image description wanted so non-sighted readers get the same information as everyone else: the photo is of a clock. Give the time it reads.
4:55
